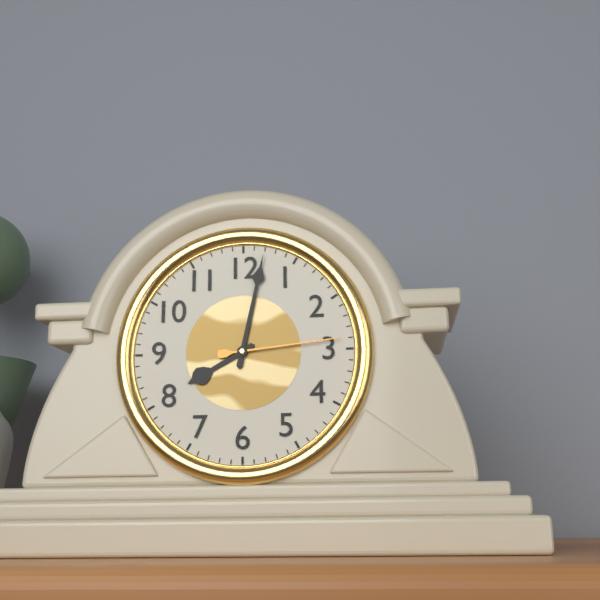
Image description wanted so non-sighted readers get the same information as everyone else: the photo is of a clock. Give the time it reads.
8:02:14
